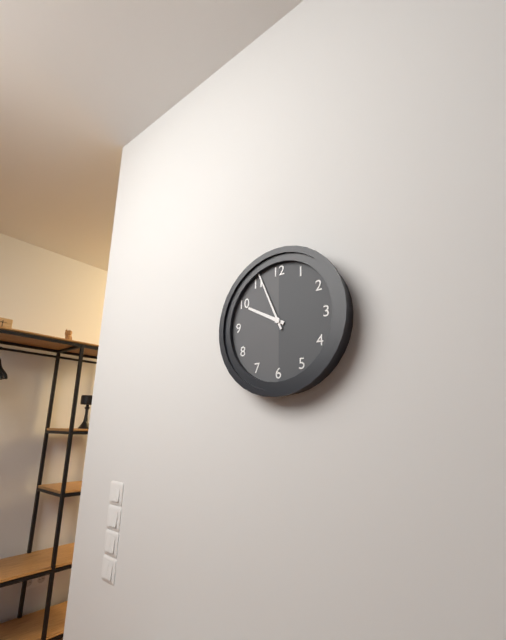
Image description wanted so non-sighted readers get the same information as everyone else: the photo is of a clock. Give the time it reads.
9:56
